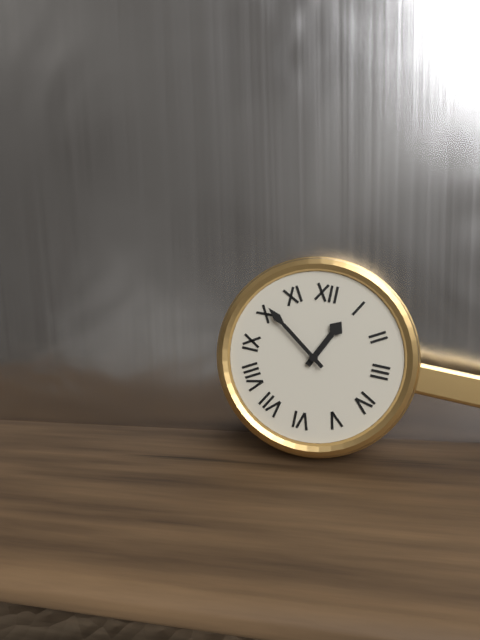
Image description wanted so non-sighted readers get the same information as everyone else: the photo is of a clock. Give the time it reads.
12:51
